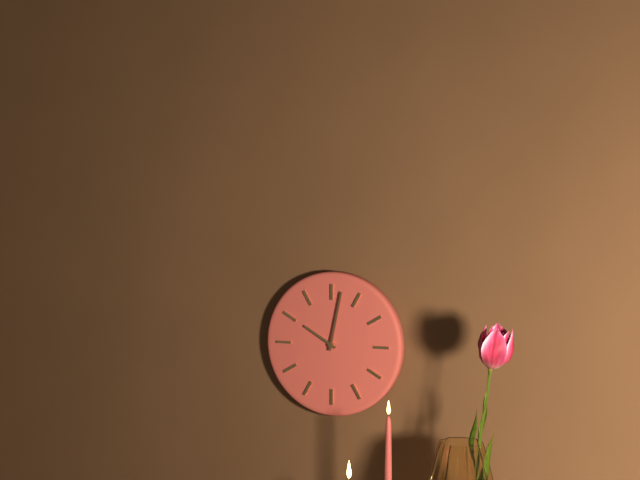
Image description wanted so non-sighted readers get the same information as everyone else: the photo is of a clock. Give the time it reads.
10:02
